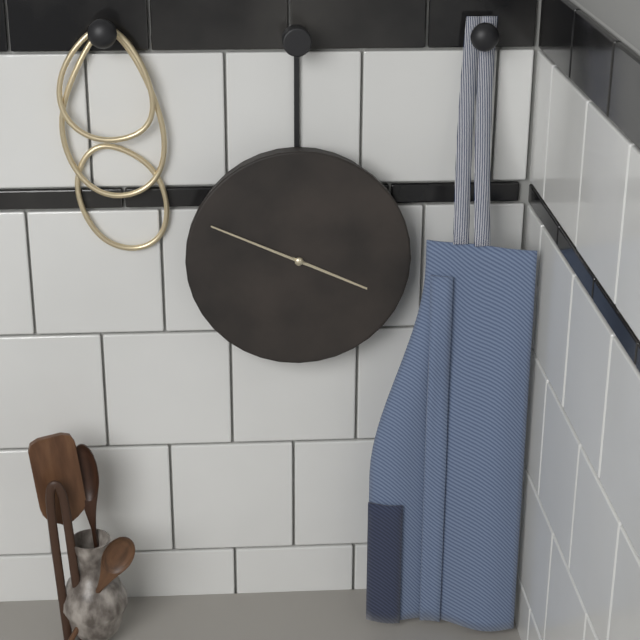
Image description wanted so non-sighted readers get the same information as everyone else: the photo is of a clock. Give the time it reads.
3:49
